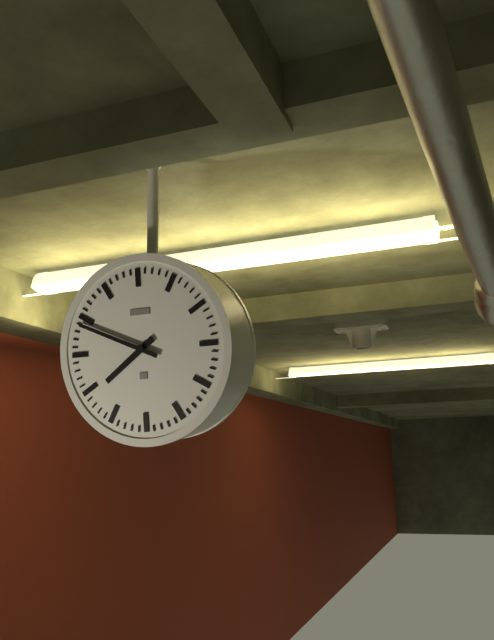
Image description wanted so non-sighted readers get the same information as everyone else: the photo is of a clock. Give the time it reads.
7:49
